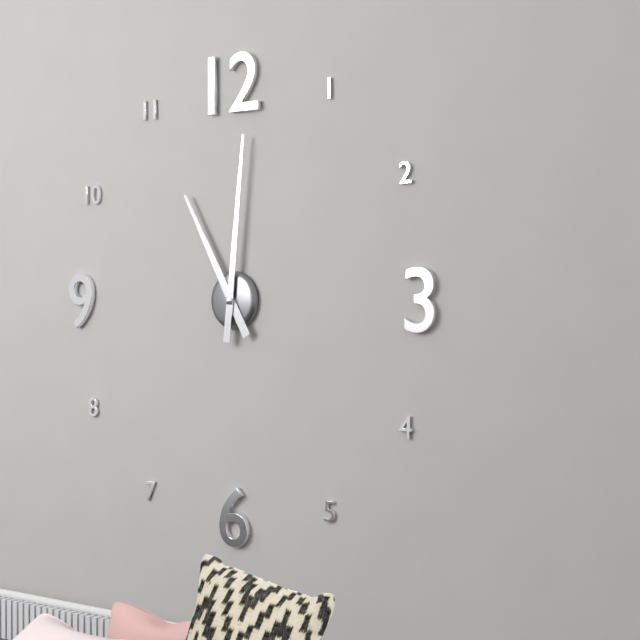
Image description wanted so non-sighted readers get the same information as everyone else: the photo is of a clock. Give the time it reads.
11:01
